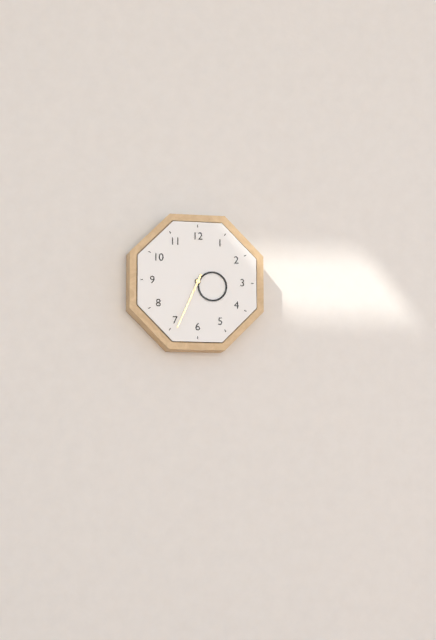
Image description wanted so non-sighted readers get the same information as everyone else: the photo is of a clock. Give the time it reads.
3:34
